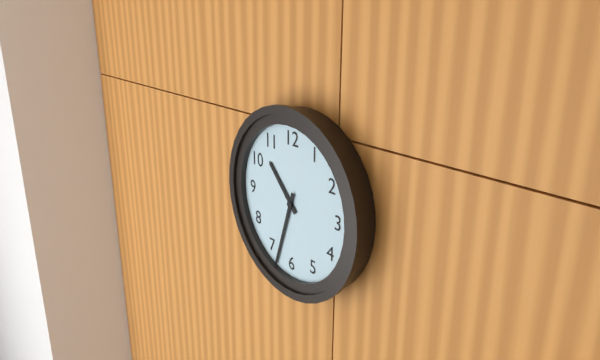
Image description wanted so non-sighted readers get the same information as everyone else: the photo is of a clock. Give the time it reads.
10:33
